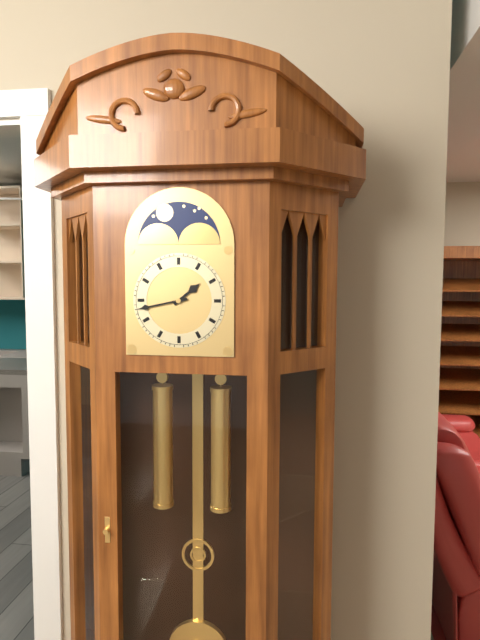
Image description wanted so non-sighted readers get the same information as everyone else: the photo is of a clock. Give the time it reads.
1:43
